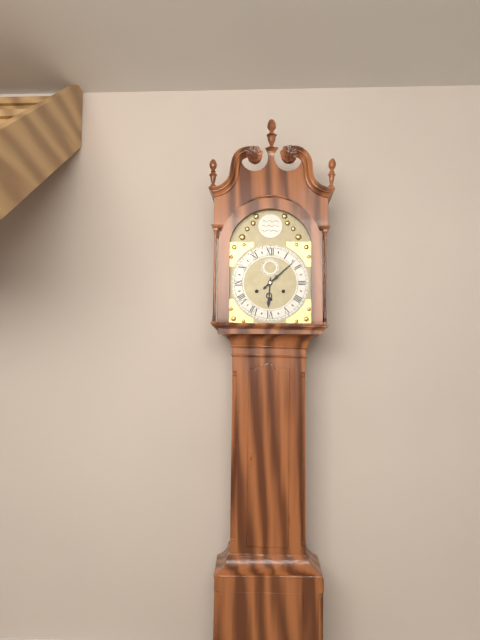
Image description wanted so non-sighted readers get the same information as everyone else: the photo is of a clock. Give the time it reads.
6:08
